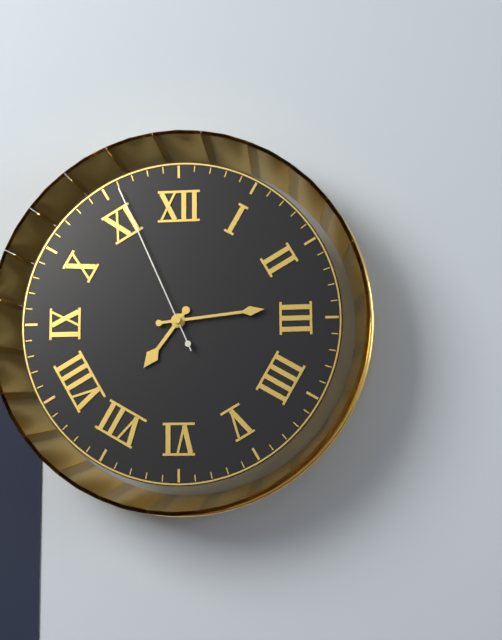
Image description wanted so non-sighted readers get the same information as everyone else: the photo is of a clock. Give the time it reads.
7:14:56
